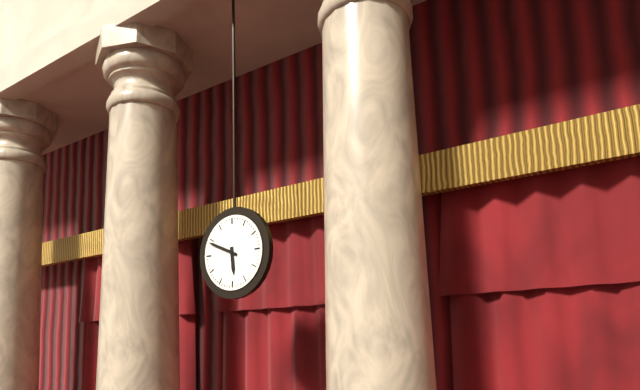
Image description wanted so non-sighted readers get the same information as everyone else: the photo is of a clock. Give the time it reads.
5:49
